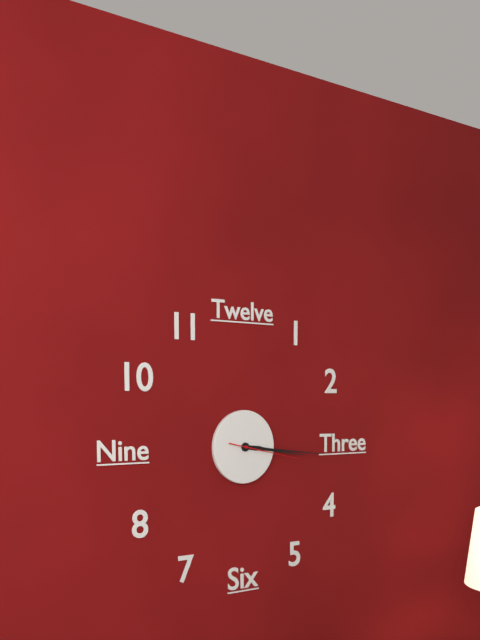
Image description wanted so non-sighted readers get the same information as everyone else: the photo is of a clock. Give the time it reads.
3:16:17
